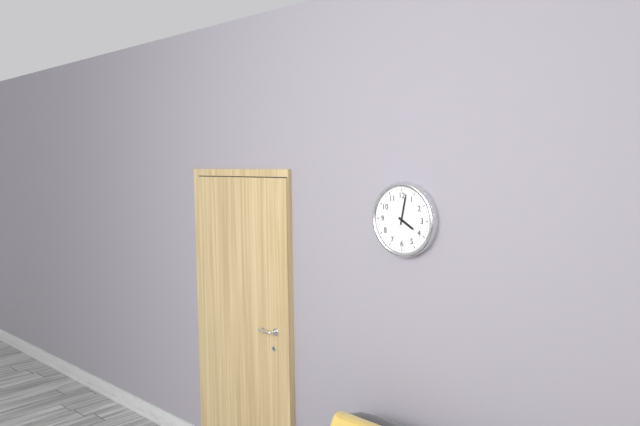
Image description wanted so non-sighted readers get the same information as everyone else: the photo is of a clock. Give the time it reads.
4:02
